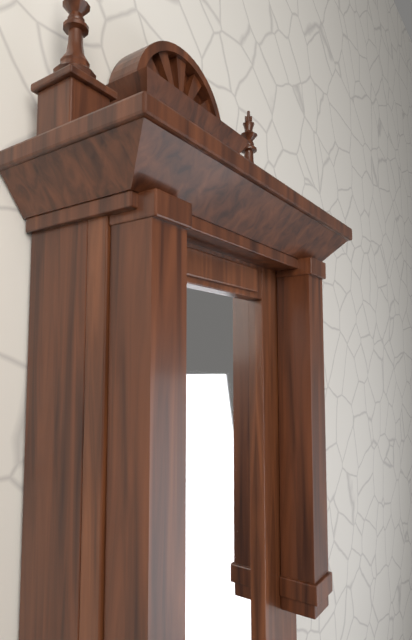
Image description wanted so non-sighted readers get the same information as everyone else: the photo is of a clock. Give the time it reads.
8:26
